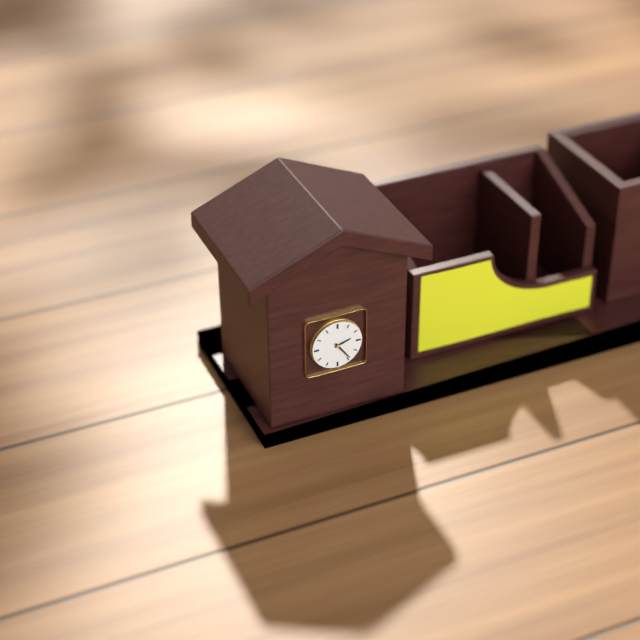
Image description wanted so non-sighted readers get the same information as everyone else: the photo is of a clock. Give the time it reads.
2:24
